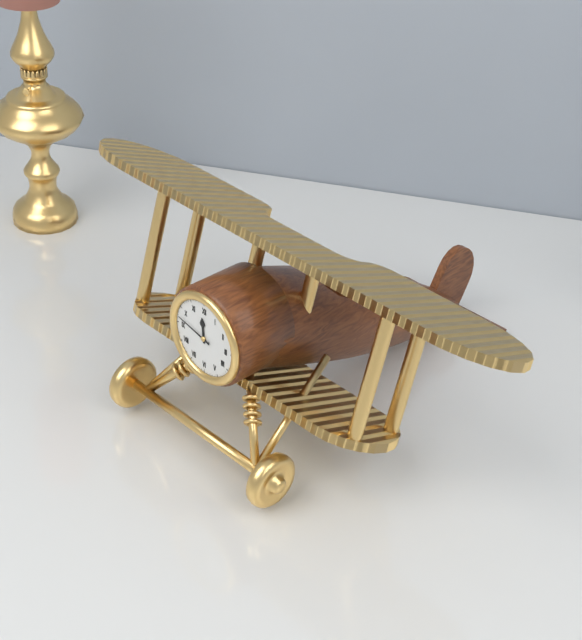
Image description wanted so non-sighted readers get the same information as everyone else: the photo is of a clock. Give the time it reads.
11:47
